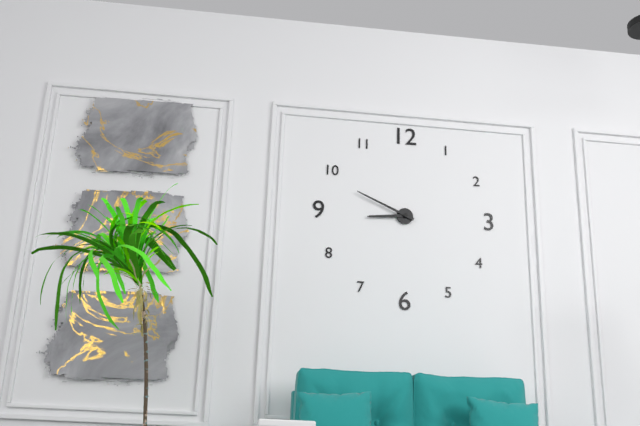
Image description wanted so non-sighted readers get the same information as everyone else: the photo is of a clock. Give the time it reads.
8:49
